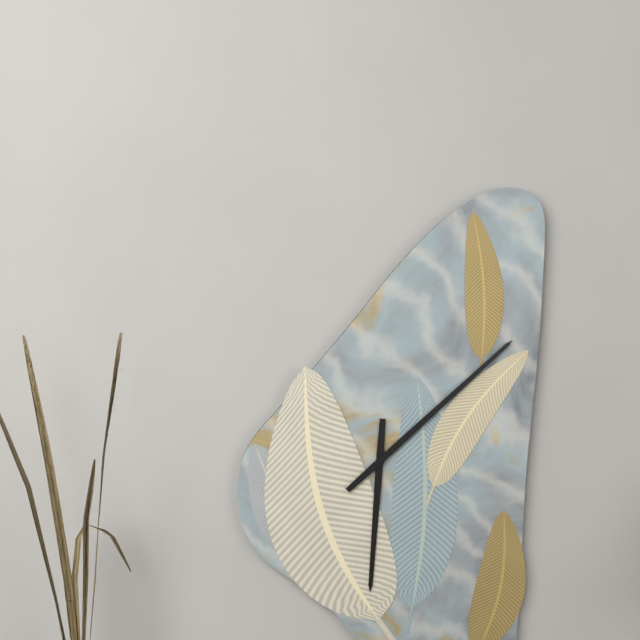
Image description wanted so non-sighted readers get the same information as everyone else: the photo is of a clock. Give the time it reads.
6:08
